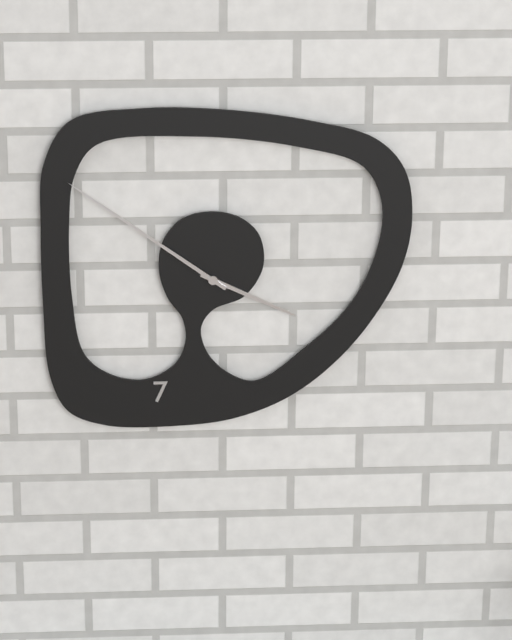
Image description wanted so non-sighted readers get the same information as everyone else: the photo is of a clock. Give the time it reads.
3:51
